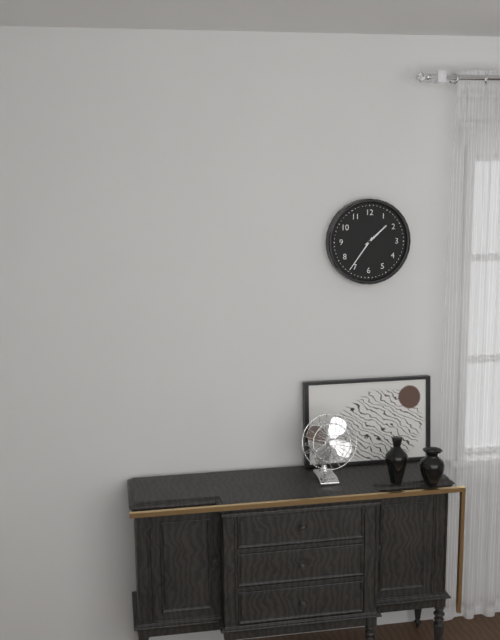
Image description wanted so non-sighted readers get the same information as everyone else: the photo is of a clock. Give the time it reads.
1:36
